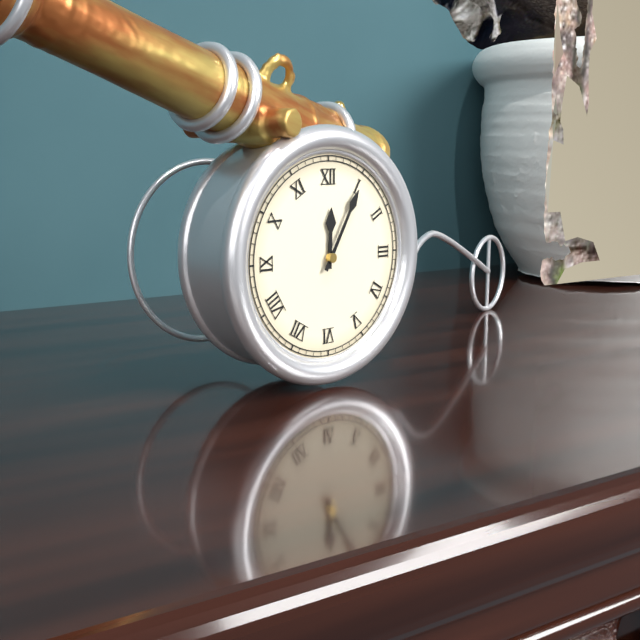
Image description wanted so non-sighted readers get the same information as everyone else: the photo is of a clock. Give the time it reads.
12:05
